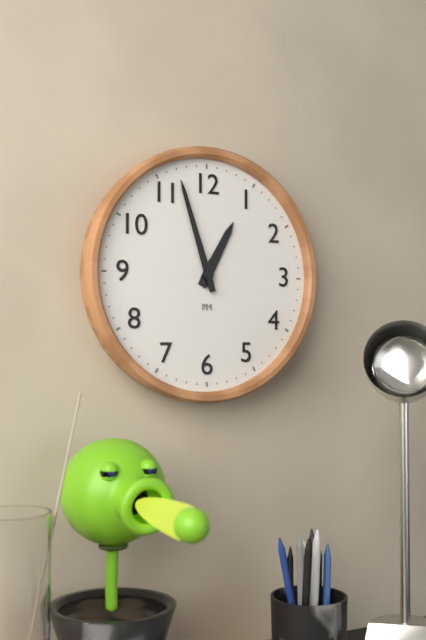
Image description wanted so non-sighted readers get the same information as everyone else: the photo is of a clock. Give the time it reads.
12:57
